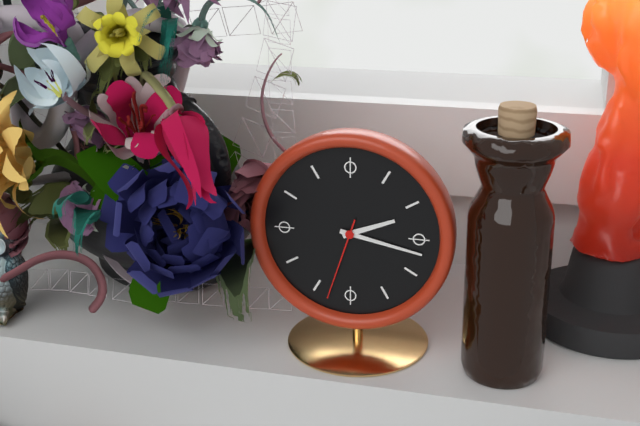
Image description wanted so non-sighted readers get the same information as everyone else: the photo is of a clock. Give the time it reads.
2:17:33
